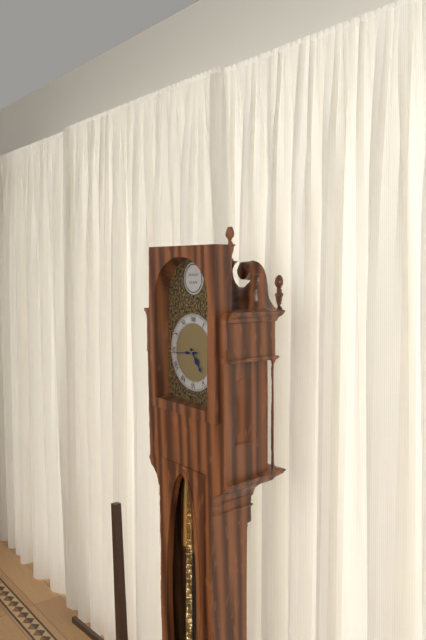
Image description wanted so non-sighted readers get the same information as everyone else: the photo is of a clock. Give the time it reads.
4:44
